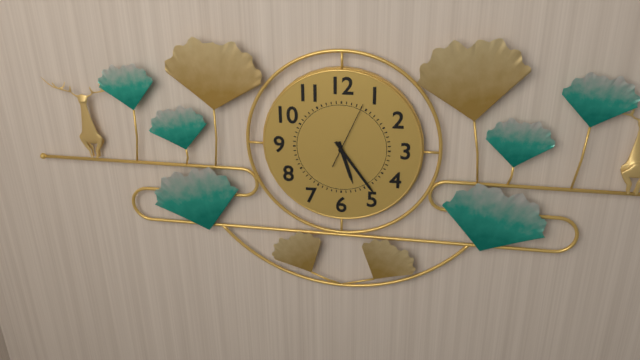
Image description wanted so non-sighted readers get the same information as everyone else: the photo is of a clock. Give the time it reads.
5:24:04
